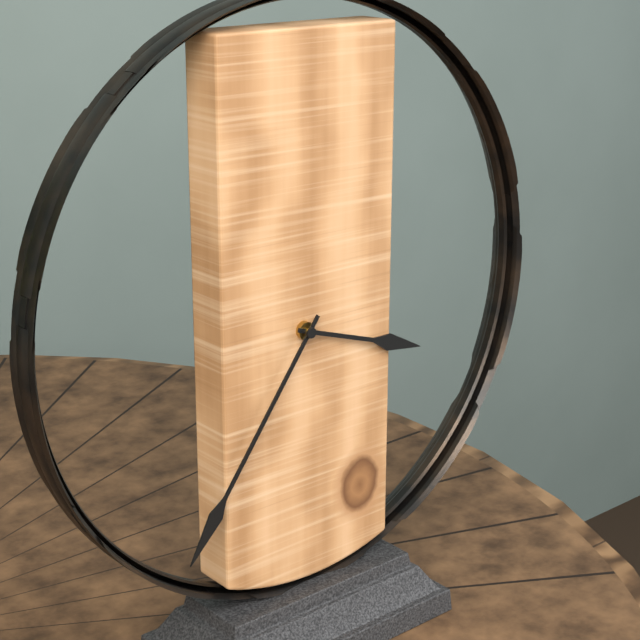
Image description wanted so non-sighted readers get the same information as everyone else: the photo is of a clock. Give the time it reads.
3:36
